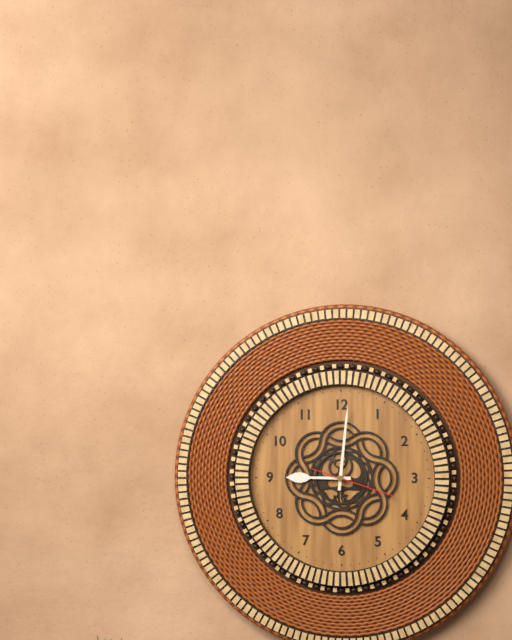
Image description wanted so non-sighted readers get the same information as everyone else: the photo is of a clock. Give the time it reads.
9:01:18
